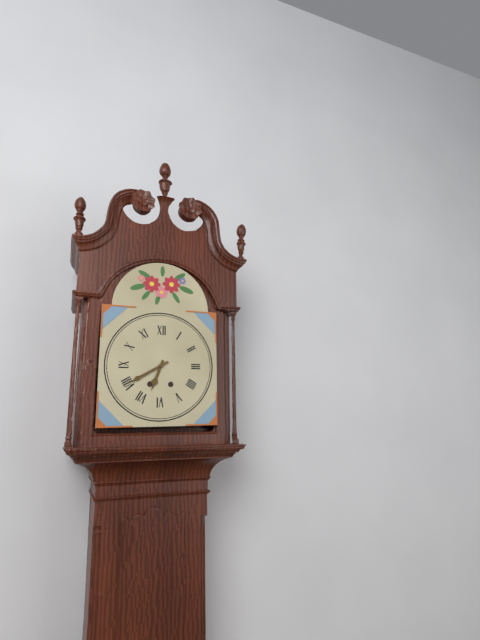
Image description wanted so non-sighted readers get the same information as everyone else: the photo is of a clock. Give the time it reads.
6:40
